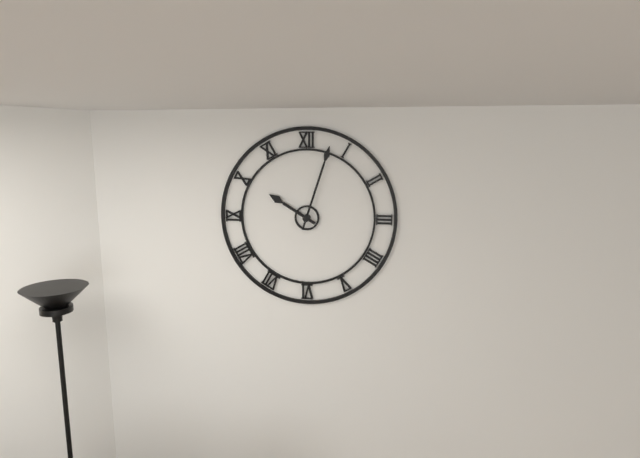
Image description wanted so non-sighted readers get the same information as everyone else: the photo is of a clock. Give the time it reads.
10:03
